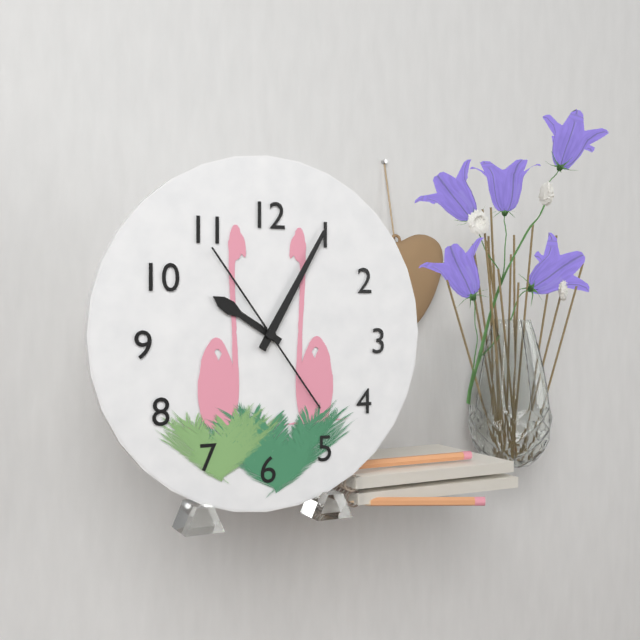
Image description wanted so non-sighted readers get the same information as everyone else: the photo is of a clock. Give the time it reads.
10:05:54
